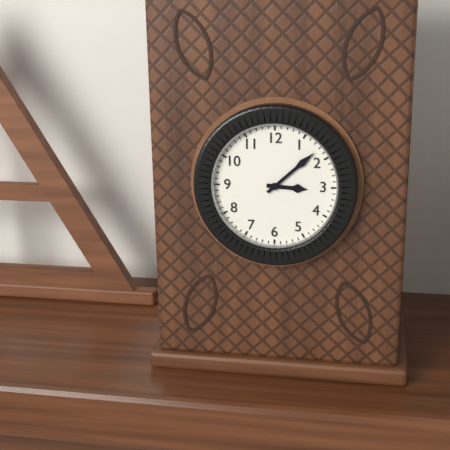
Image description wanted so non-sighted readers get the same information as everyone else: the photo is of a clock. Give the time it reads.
3:08
